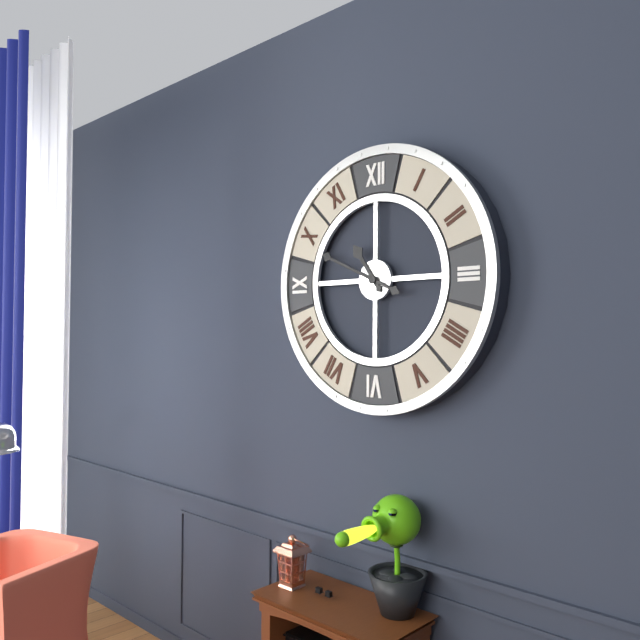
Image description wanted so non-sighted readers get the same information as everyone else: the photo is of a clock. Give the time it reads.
10:49
